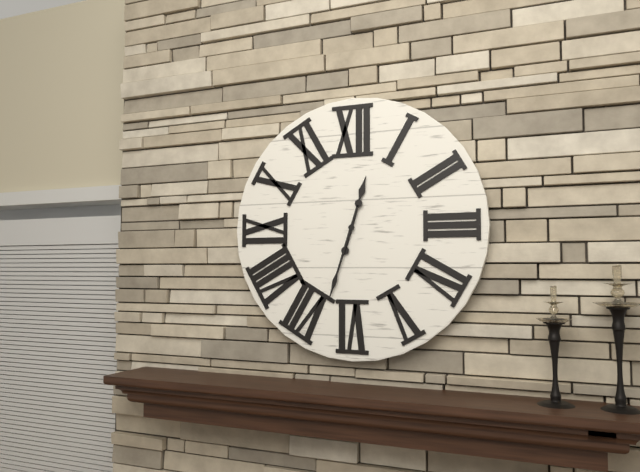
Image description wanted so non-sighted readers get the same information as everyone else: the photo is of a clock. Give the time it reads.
12:33
